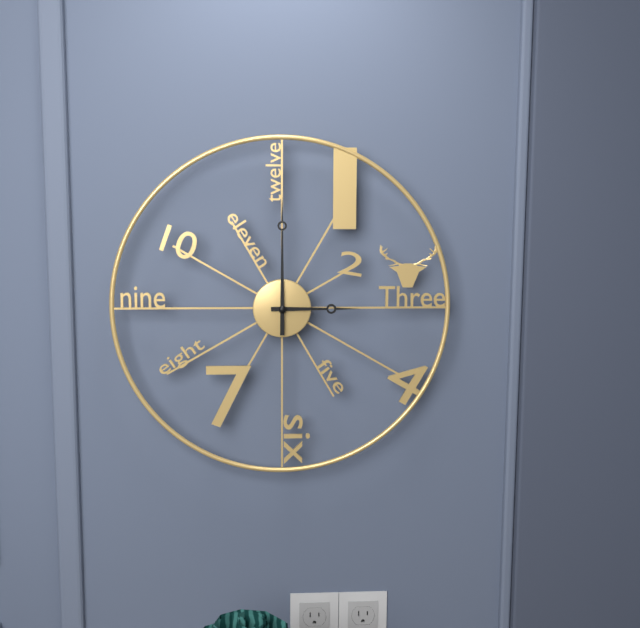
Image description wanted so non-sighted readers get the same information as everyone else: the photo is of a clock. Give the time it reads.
3:00
